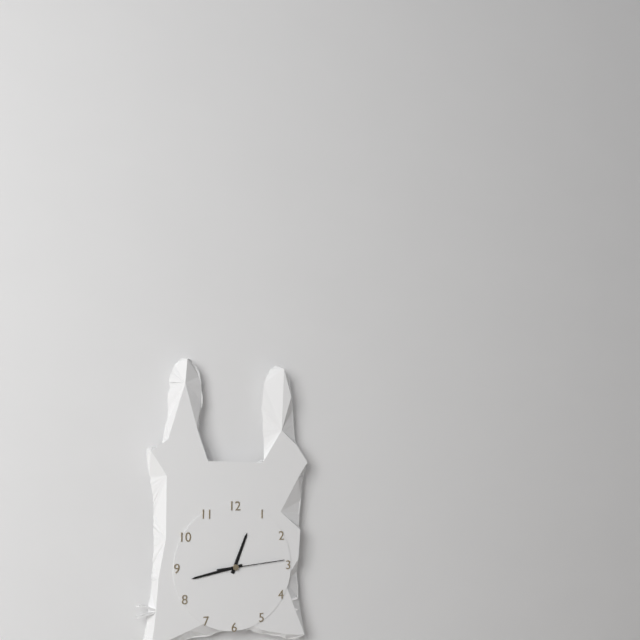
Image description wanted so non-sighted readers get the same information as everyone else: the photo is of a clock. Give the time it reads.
12:43:14
